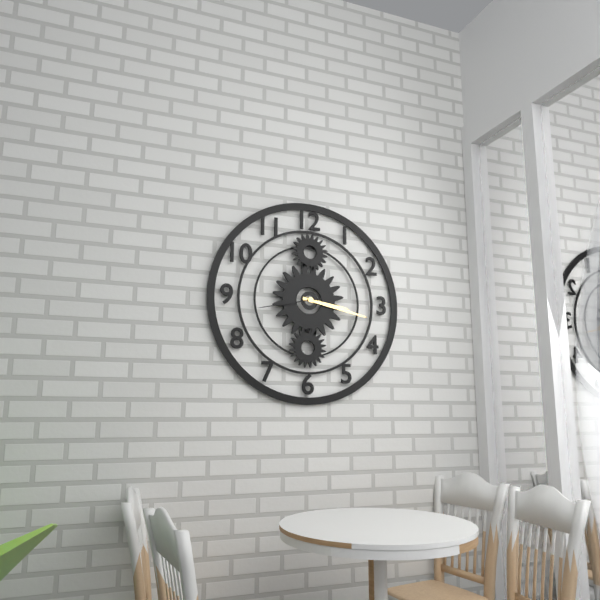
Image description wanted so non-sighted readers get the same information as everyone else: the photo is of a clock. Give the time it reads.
3:17:43
